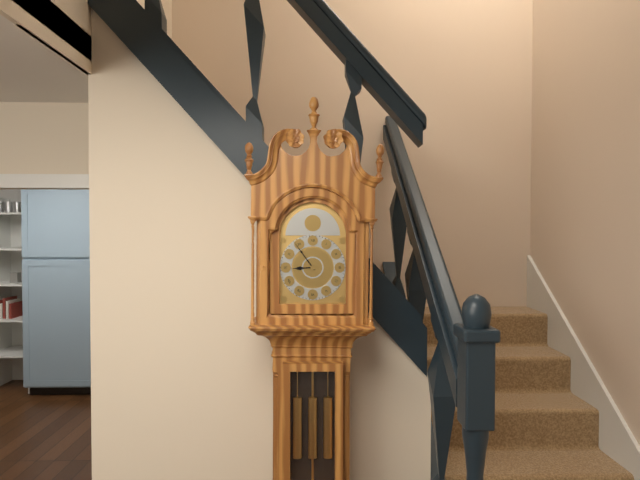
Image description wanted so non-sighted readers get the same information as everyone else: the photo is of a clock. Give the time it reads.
8:54
